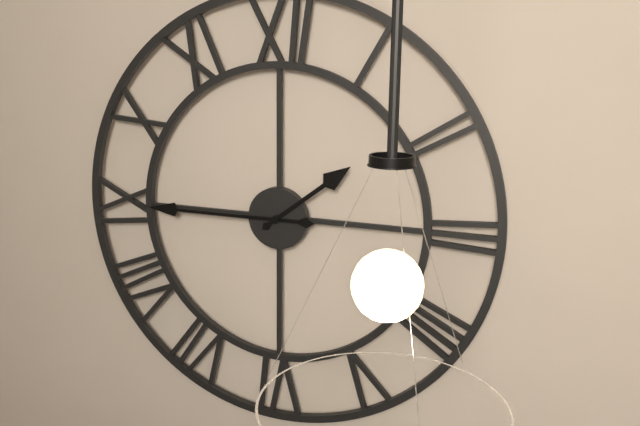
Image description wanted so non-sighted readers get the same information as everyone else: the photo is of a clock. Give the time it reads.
1:45
